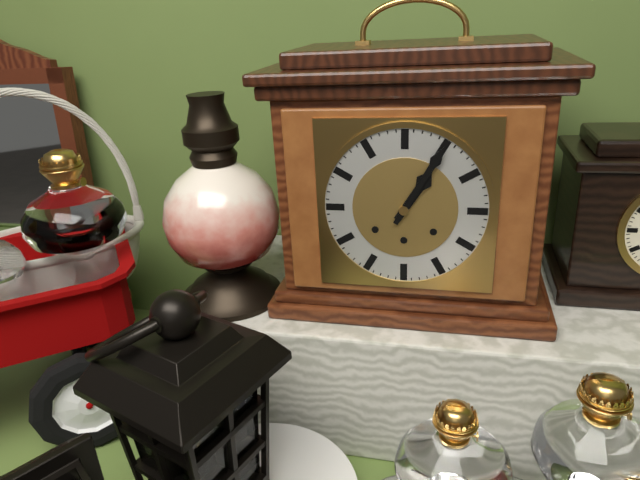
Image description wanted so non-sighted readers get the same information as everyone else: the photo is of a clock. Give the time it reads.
1:05
